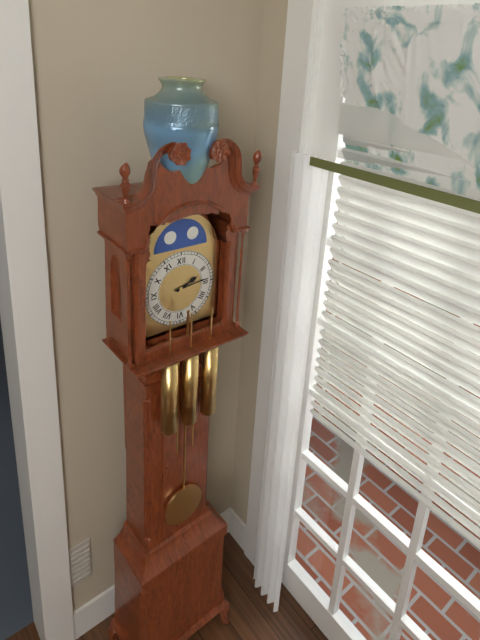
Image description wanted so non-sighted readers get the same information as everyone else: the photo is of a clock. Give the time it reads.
2:14
